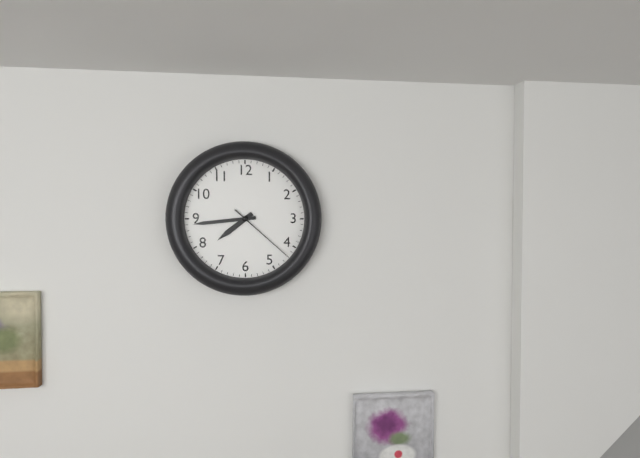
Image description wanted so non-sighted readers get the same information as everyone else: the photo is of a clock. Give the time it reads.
7:44:22
